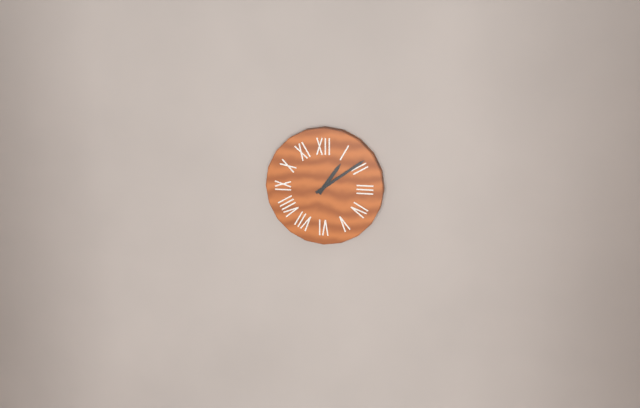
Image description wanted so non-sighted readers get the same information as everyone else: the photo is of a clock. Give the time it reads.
1:09
